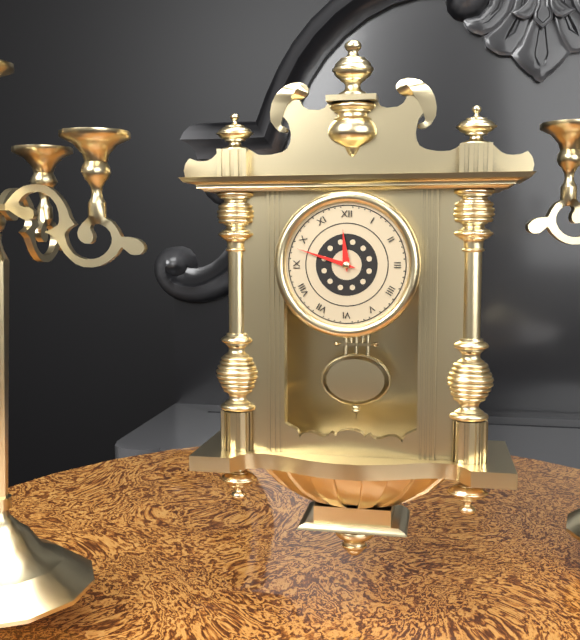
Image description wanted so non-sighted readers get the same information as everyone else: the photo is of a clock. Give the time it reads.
11:48
